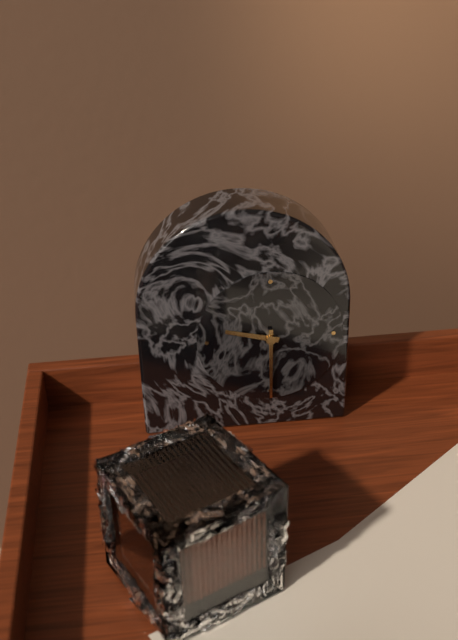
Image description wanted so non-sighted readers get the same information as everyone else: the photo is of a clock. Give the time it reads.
9:30
